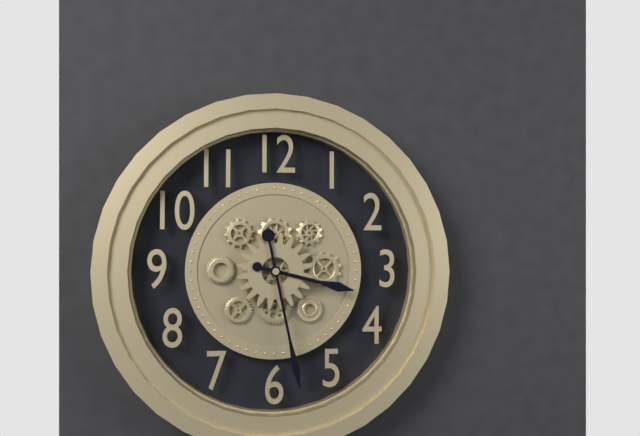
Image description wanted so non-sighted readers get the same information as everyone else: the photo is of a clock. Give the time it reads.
3:28
